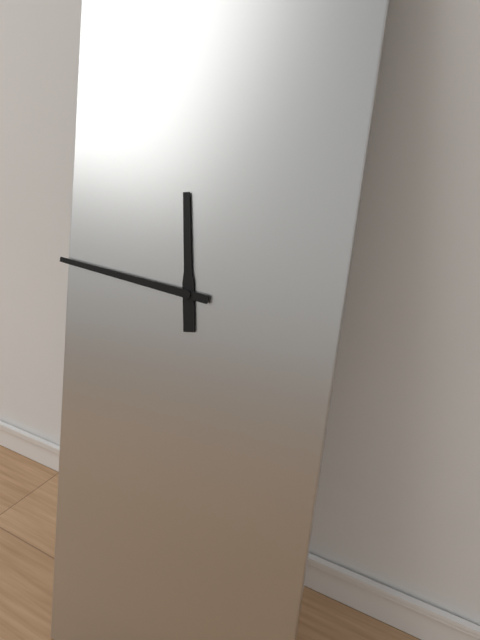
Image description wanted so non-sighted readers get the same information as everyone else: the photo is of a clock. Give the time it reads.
11:46
